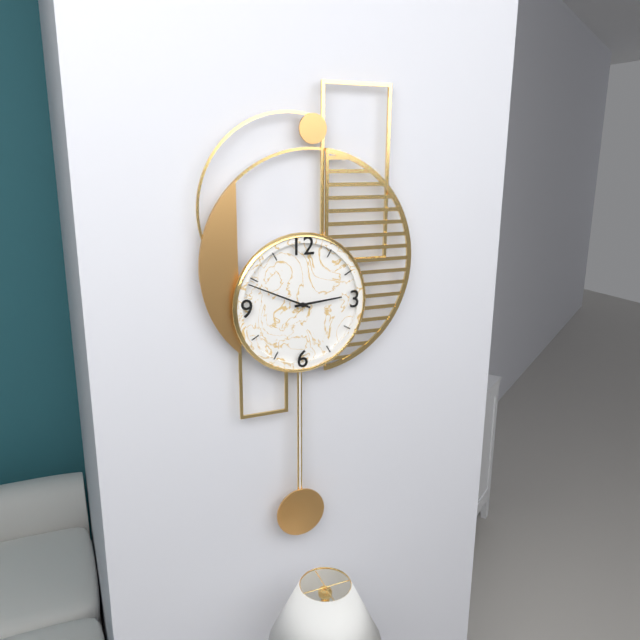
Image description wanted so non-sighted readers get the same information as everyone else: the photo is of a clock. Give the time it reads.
2:49
